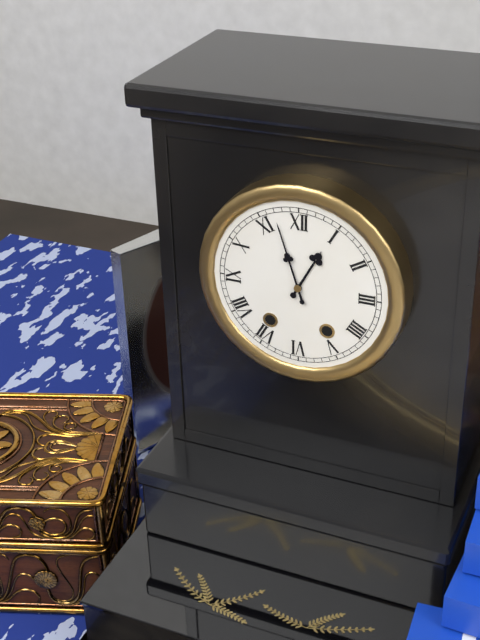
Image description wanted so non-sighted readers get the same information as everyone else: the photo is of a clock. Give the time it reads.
12:57
